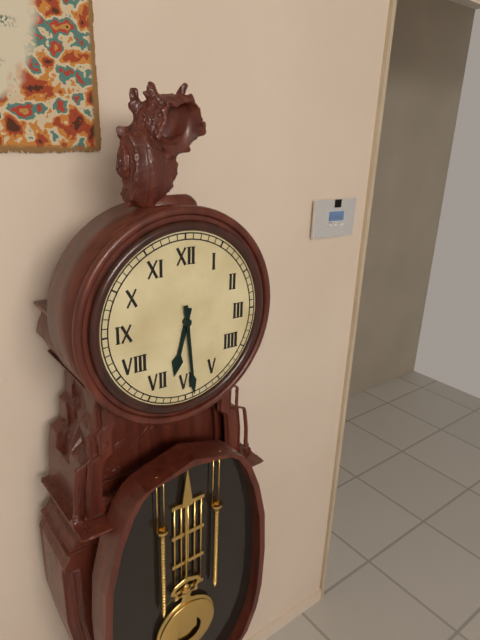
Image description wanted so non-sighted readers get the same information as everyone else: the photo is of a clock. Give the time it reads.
6:29
